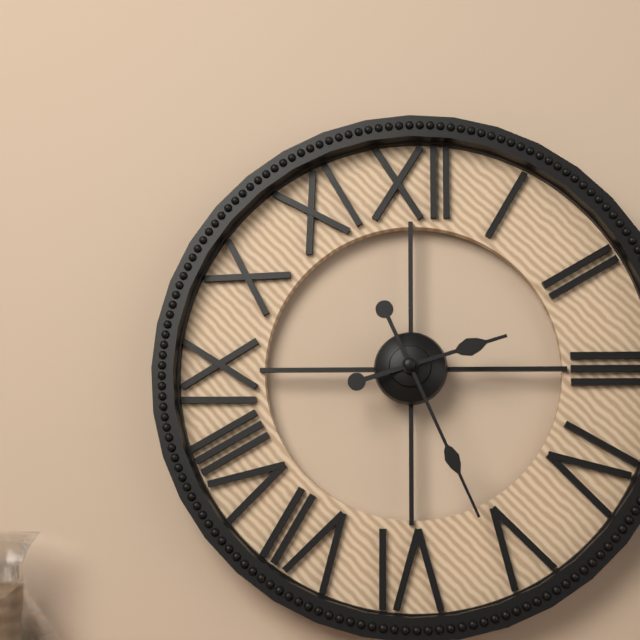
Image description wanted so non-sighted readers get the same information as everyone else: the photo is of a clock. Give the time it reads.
2:26
